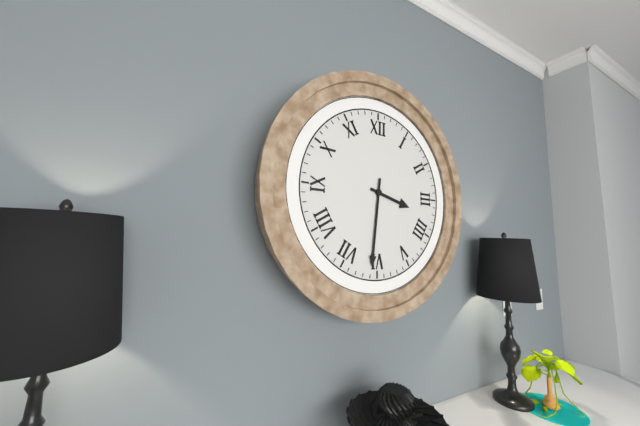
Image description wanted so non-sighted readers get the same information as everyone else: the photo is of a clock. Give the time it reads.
3:31
